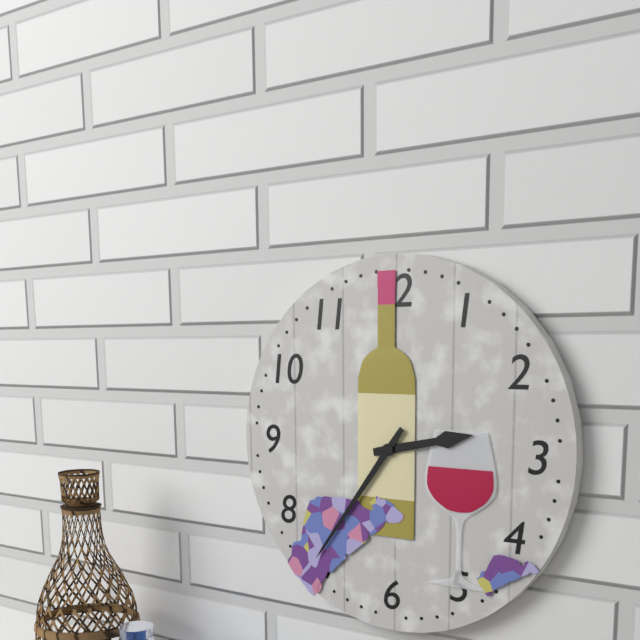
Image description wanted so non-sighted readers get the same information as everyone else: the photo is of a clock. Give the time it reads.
2:36
